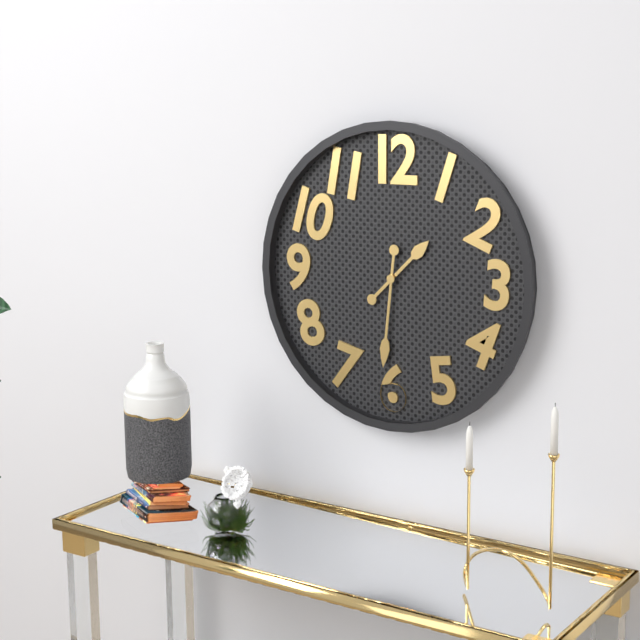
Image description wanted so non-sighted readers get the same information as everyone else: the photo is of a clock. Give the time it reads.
1:31
